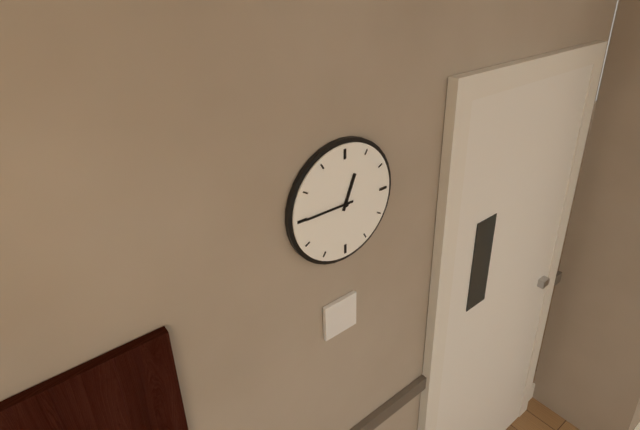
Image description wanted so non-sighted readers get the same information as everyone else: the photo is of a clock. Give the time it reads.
12:45
